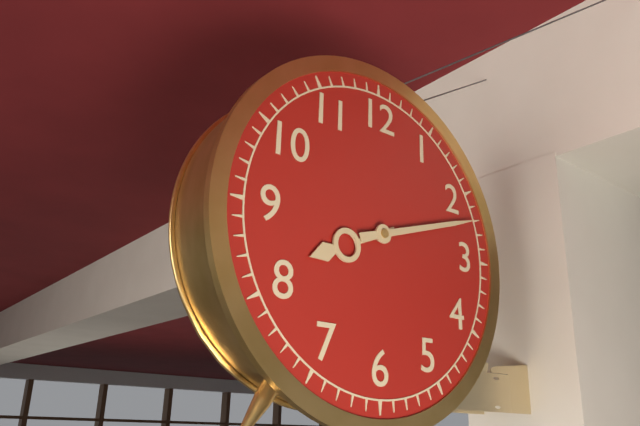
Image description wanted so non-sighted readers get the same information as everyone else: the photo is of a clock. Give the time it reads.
8:12
